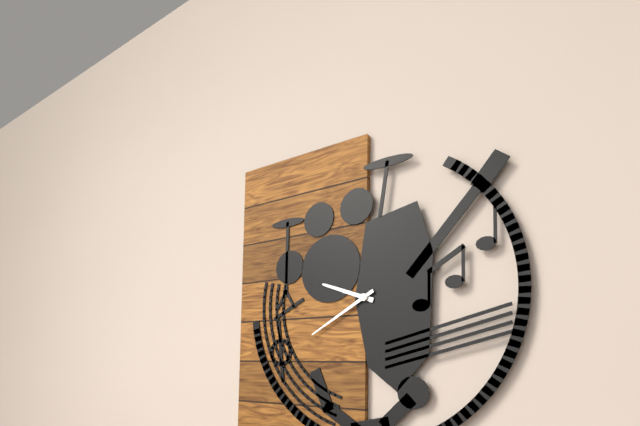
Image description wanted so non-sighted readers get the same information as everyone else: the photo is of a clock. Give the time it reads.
9:40
